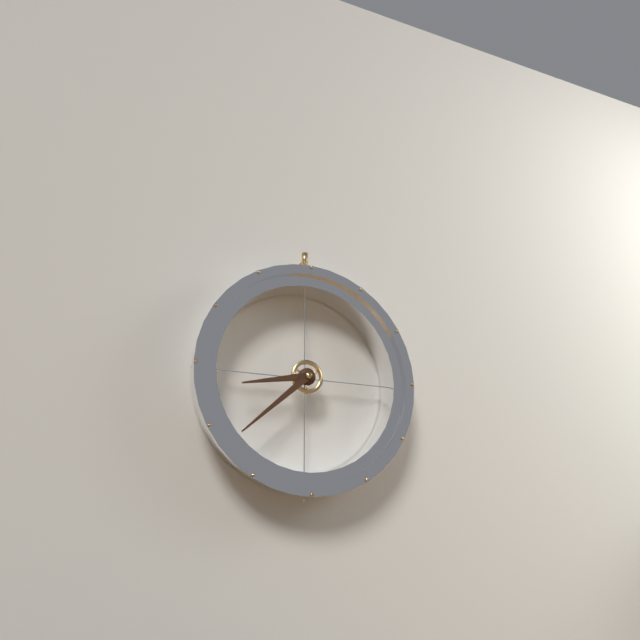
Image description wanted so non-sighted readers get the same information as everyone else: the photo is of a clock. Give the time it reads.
8:38
